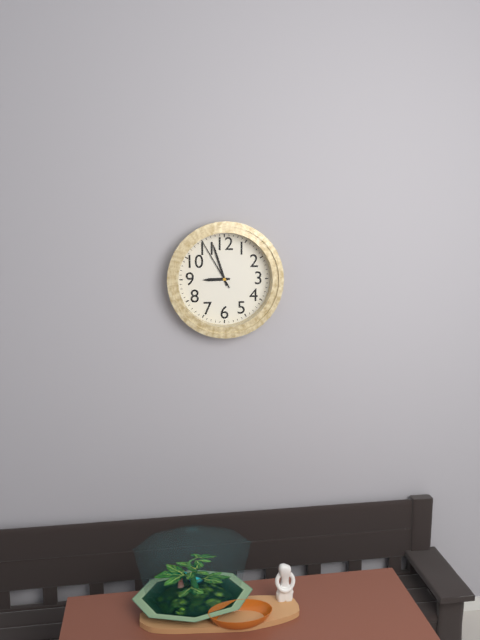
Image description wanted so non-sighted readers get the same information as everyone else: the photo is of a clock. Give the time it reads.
8:57:55
